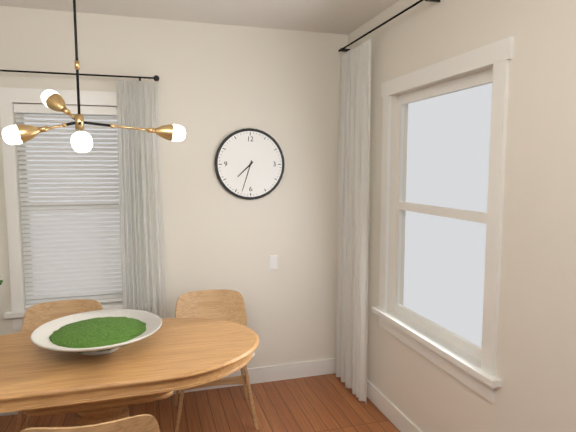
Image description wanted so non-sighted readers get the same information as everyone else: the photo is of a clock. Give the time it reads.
7:33
